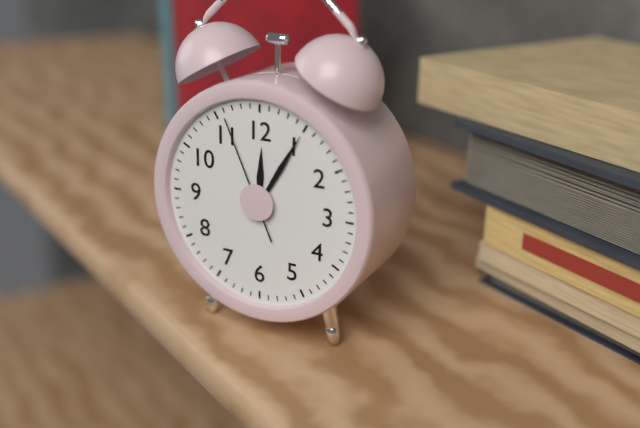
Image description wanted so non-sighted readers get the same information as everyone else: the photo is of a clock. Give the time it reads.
12:05:56
